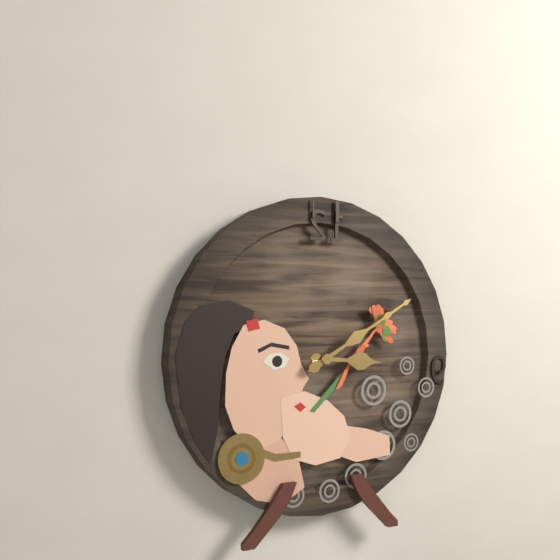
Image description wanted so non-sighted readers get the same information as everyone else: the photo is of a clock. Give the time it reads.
3:10
